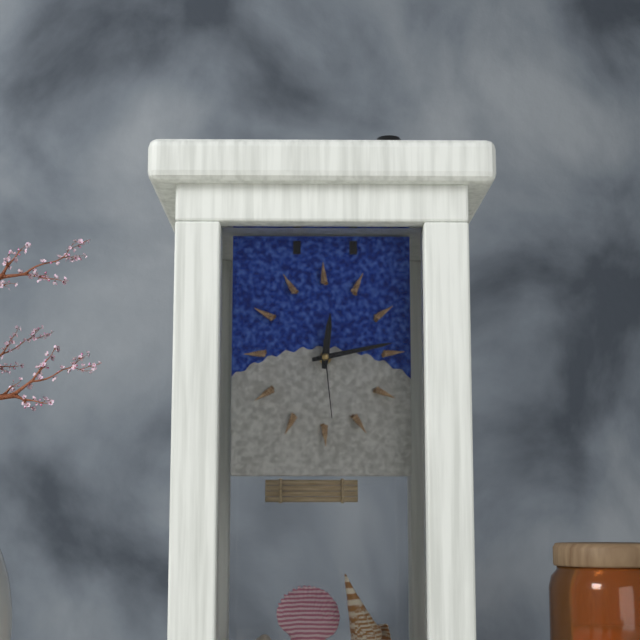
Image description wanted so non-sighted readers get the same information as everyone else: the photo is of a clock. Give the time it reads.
12:13:29
